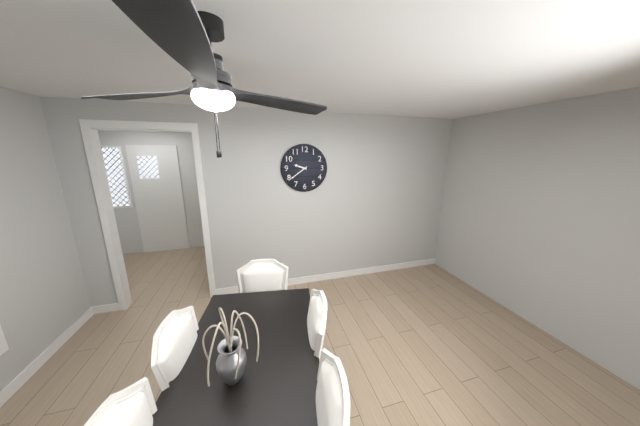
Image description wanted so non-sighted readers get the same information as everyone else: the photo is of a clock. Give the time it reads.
9:39
